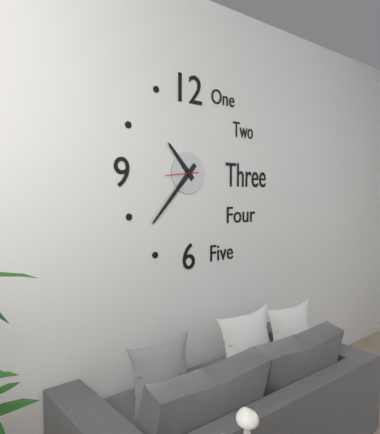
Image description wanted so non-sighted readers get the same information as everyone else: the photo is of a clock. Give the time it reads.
10:37
